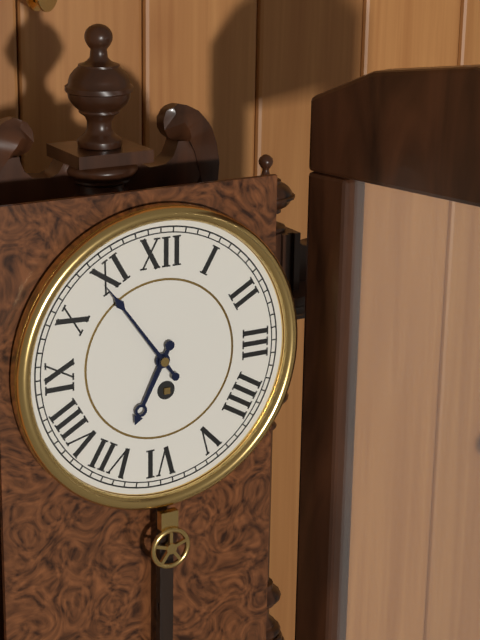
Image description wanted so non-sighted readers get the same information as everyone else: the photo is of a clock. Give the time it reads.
6:54
